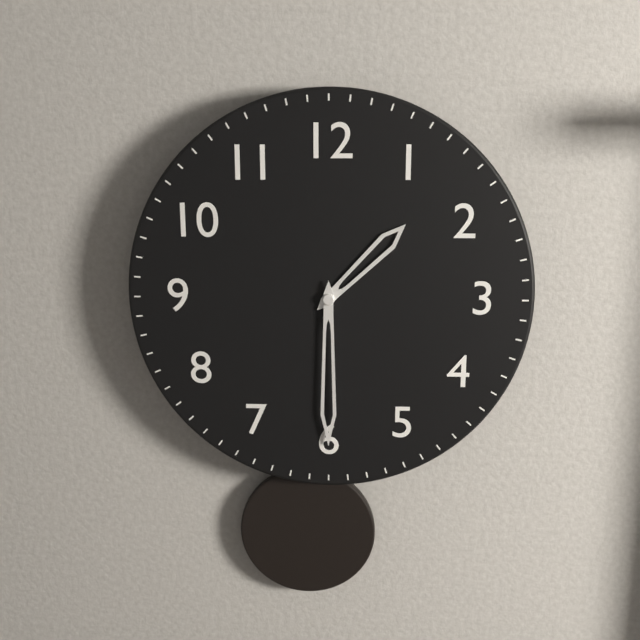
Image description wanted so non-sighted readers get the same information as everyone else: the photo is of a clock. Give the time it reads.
1:30
